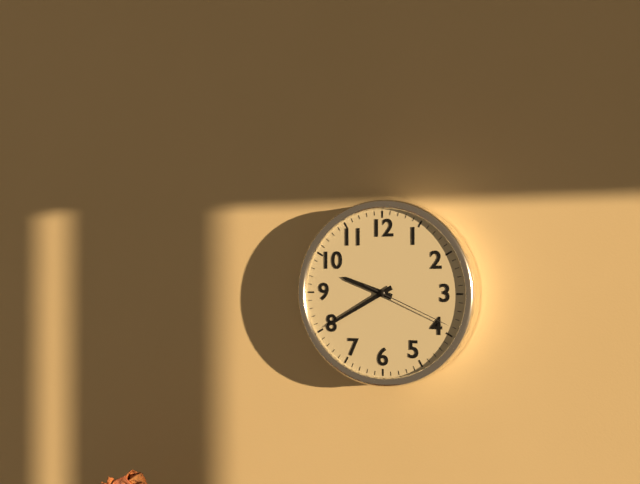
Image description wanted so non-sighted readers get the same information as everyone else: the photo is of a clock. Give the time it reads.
9:40:19
